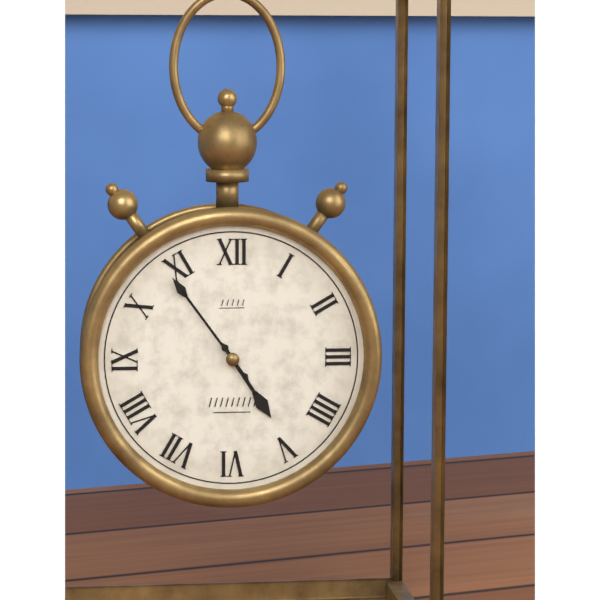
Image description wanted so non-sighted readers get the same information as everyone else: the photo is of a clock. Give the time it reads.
4:54
